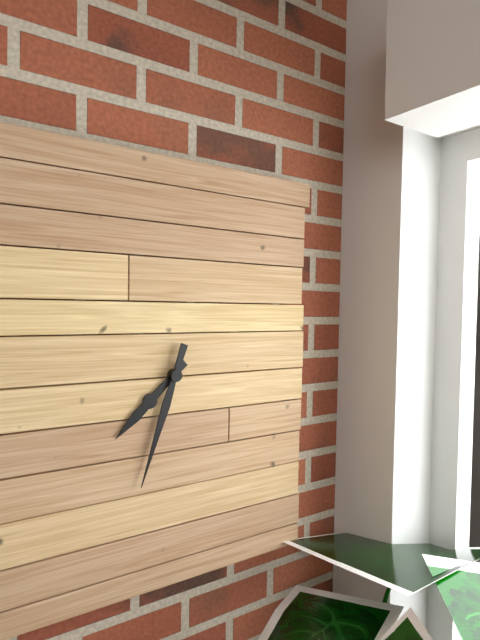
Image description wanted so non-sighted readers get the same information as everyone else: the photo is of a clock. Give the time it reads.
7:33
